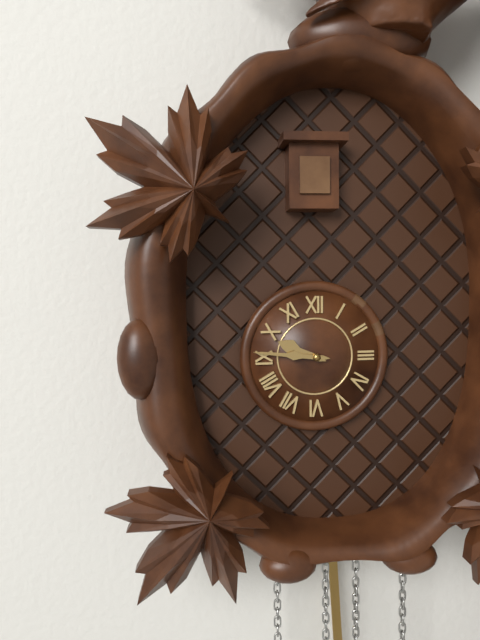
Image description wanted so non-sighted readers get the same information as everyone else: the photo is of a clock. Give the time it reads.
9:46
